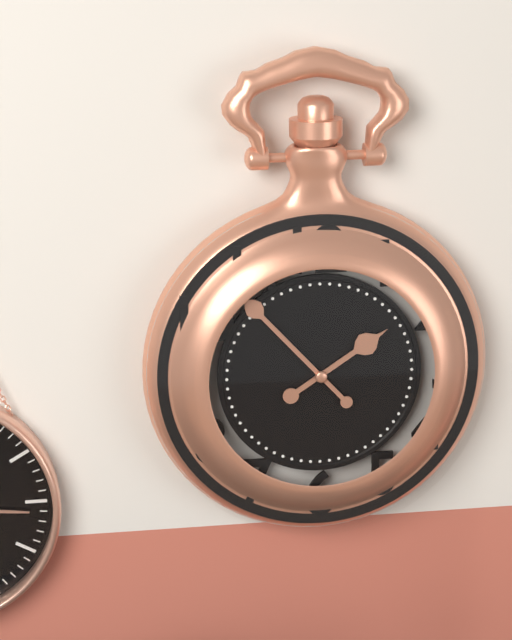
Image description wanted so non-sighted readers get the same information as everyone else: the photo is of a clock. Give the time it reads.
1:53
